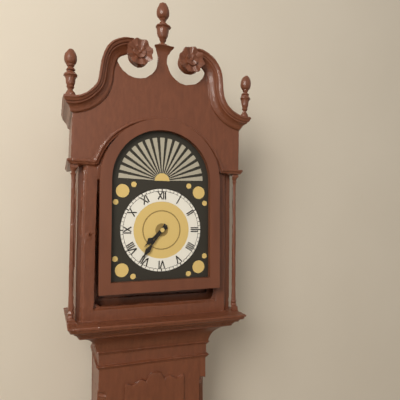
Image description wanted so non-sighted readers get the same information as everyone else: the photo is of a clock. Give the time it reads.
7:36
